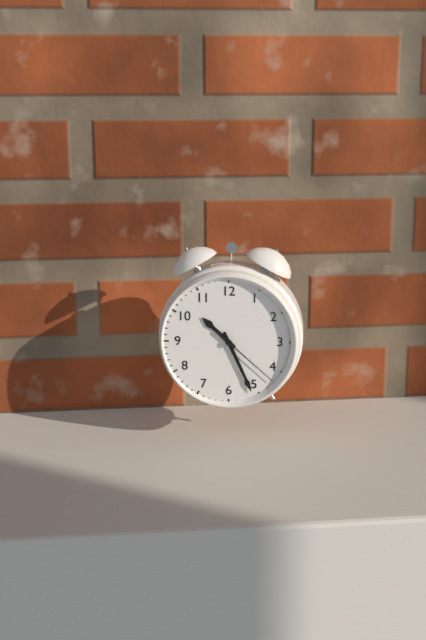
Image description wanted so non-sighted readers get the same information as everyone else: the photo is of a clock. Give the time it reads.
10:26:22
